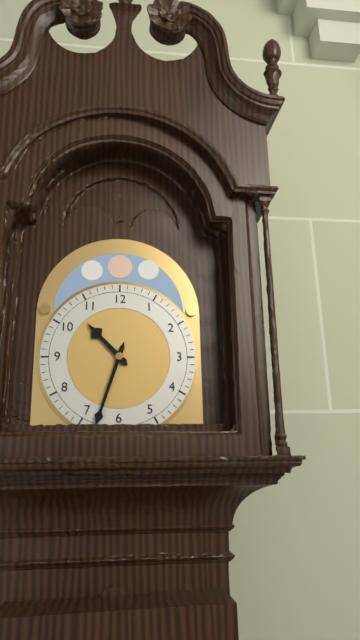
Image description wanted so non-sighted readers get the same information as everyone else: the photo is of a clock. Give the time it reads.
10:33
